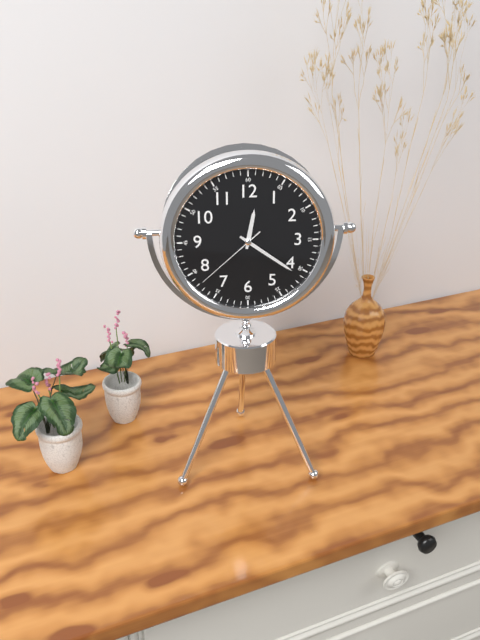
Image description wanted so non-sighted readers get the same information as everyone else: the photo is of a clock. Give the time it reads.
12:21:38
